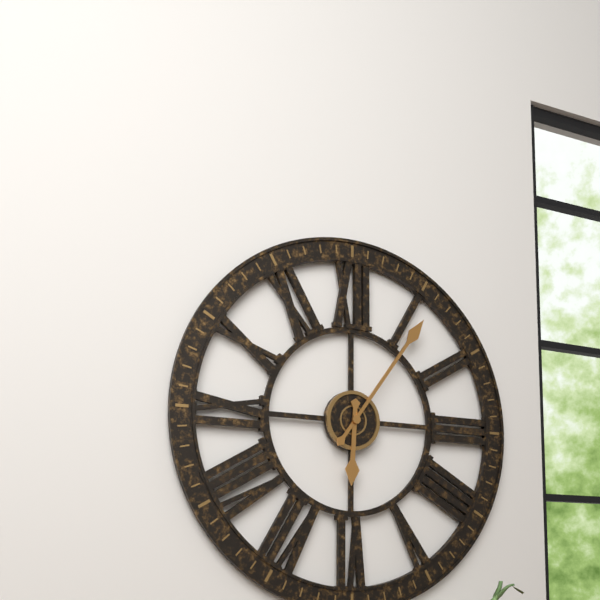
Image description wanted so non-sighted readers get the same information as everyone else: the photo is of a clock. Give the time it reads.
6:06
